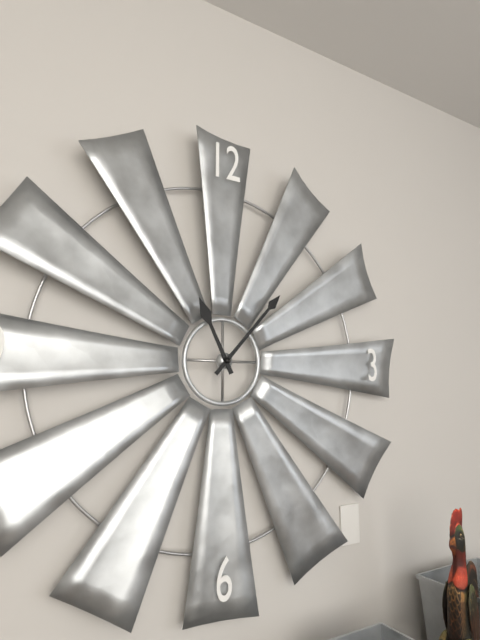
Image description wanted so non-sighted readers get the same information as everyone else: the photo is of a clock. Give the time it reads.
11:07
